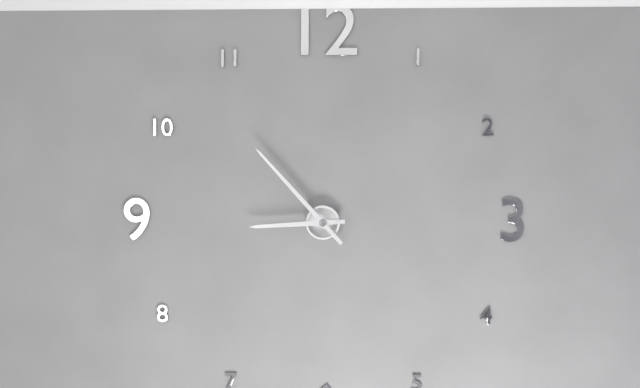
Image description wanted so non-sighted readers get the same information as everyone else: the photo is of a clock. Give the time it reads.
8:53
